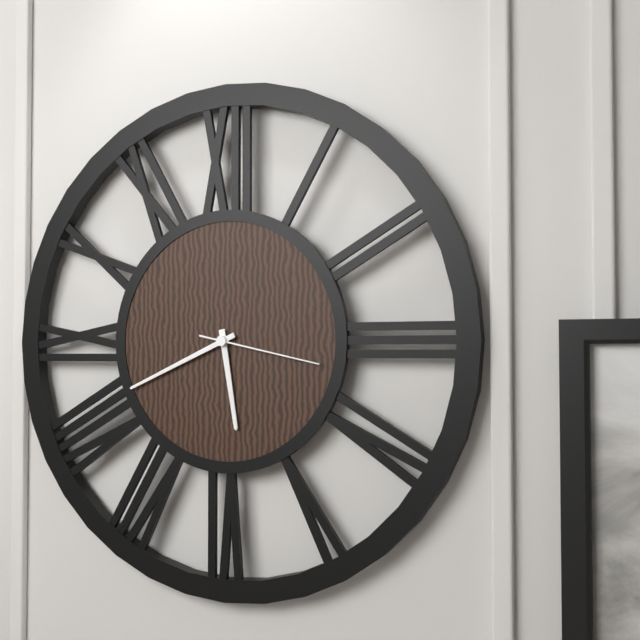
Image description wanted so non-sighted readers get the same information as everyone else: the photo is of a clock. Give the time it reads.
5:41:17
